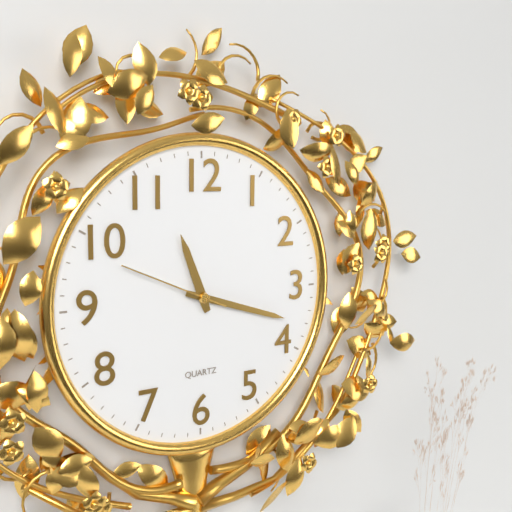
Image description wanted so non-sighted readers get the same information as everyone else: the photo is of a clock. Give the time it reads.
11:18:49
